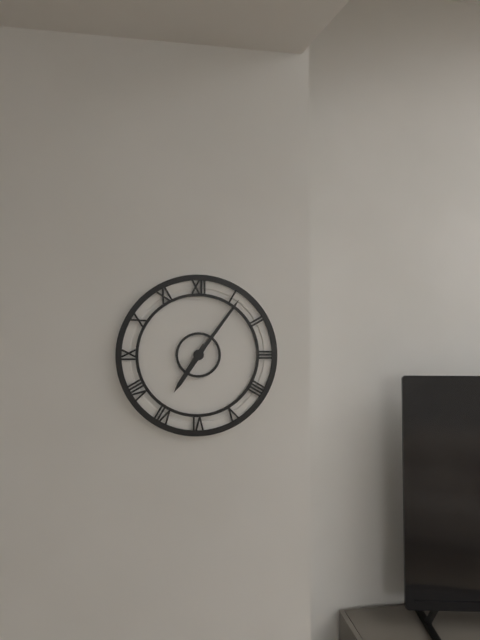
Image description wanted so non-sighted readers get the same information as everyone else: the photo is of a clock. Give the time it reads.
7:06
